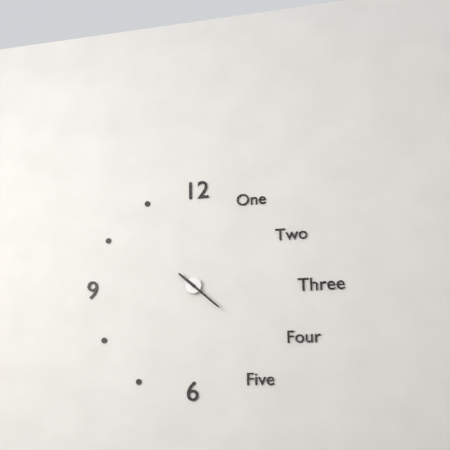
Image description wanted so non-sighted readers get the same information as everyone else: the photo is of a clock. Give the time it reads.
10:22
